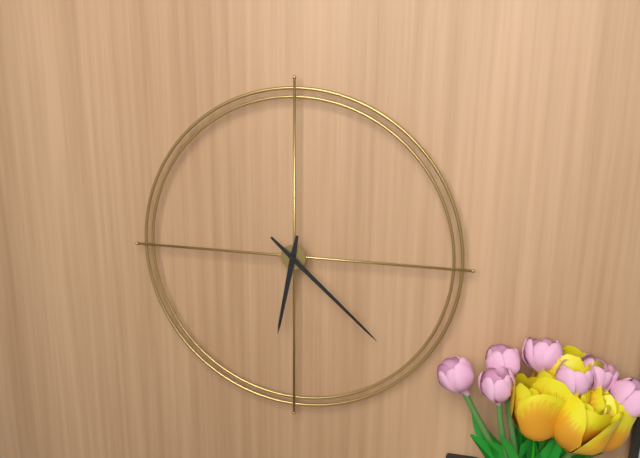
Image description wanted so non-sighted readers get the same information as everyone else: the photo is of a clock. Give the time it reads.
6:22
